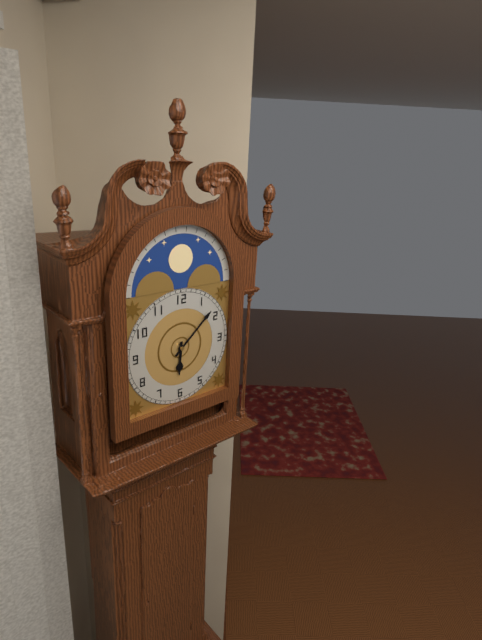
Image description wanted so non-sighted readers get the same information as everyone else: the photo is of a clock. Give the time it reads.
6:08
